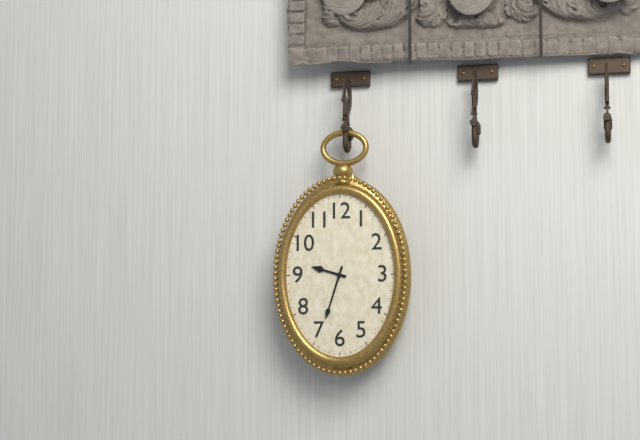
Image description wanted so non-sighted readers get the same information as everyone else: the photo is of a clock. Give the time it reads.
9:33
